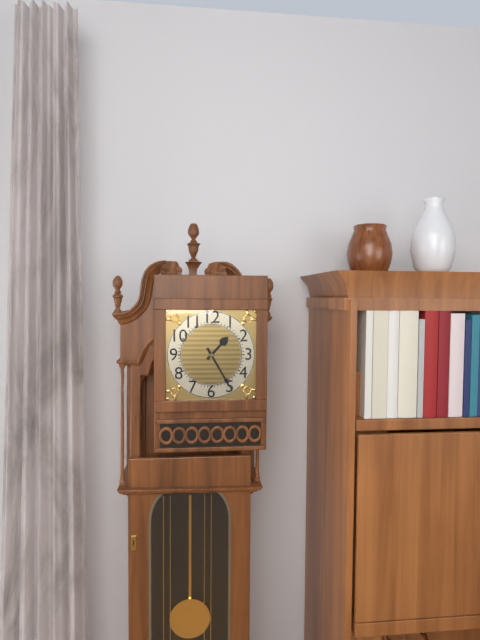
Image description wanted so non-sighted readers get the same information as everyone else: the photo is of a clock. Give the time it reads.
1:25
